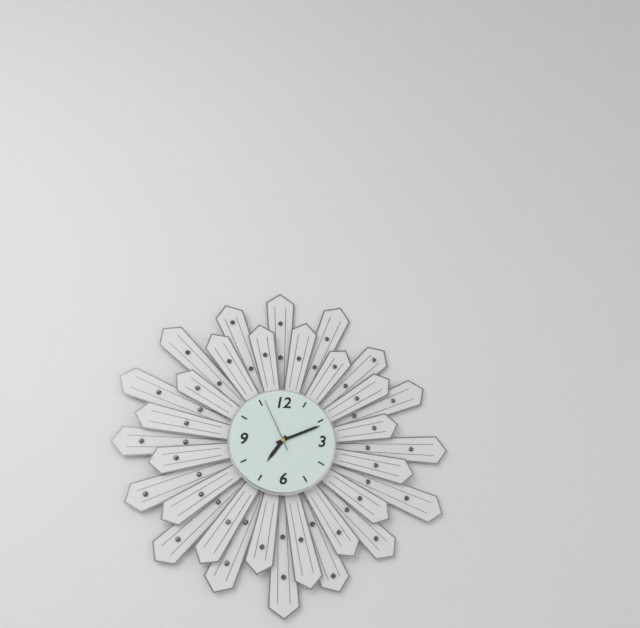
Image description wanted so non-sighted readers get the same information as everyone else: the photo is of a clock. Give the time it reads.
7:11:56
